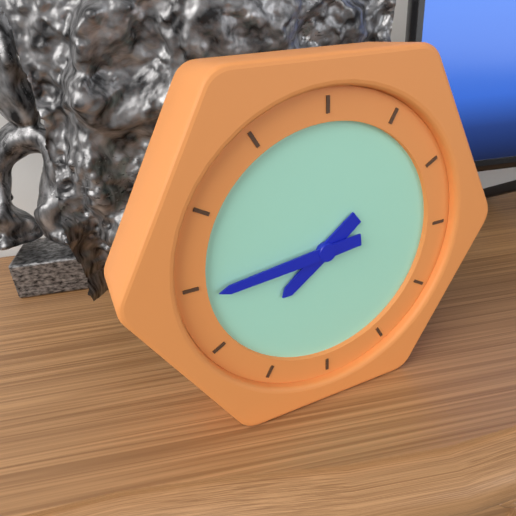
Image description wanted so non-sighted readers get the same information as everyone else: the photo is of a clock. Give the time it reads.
7:44
